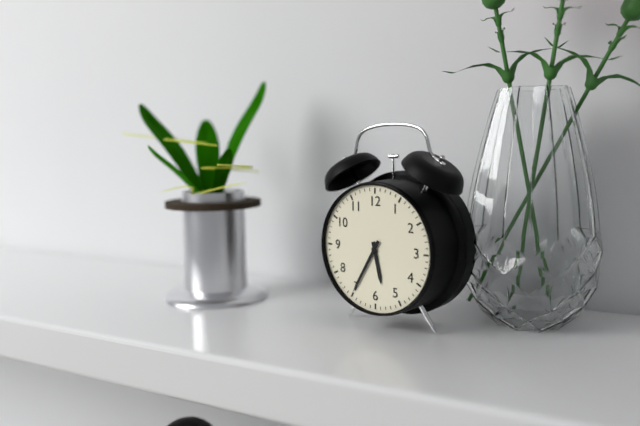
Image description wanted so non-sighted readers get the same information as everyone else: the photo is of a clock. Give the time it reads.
5:35
